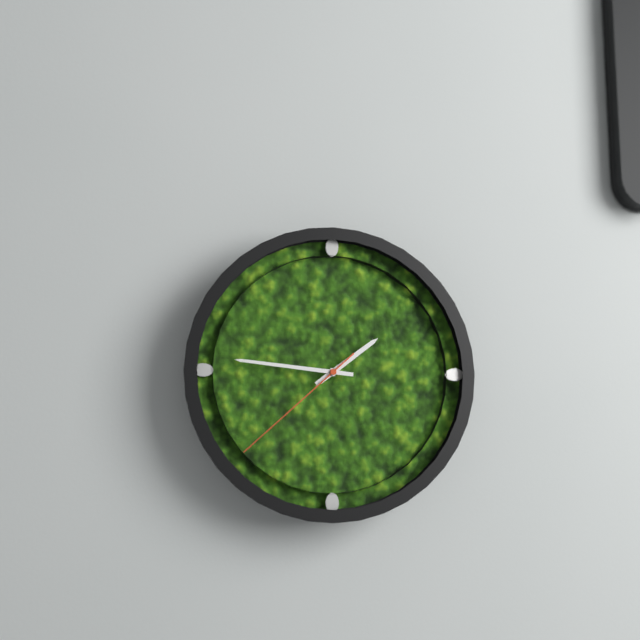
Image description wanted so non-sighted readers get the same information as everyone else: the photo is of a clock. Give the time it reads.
1:46:38
